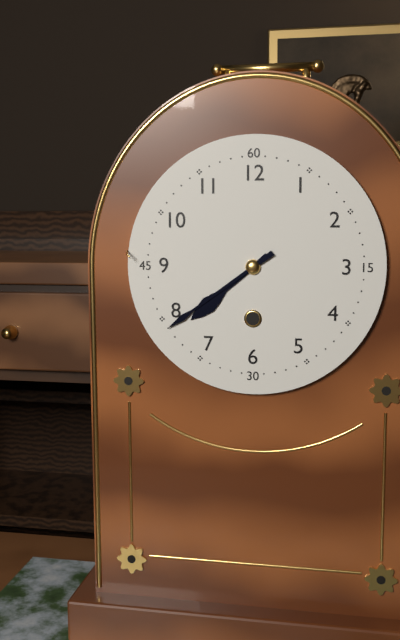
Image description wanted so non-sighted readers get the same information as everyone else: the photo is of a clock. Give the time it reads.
7:39
